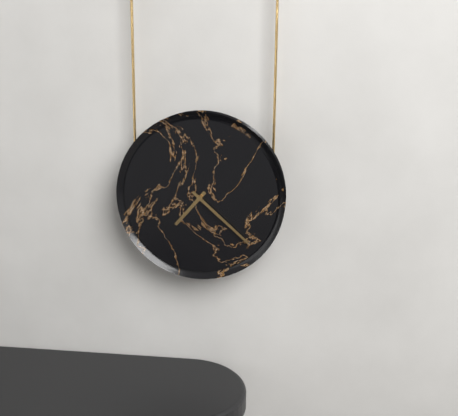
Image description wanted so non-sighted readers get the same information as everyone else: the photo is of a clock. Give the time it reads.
7:22
